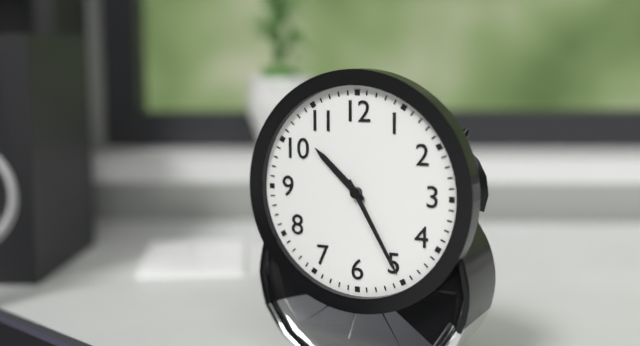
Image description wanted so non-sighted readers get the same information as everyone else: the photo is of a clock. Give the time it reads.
10:25
